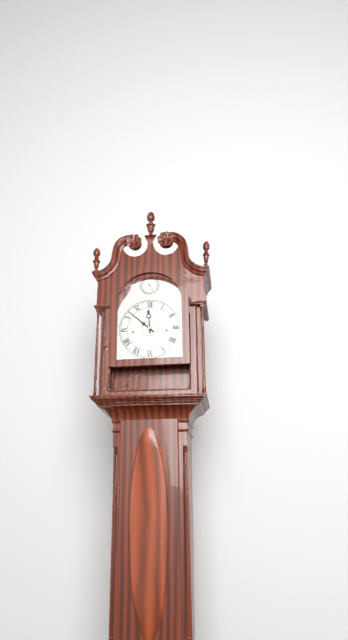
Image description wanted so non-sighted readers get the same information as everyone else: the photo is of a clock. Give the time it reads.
11:52
